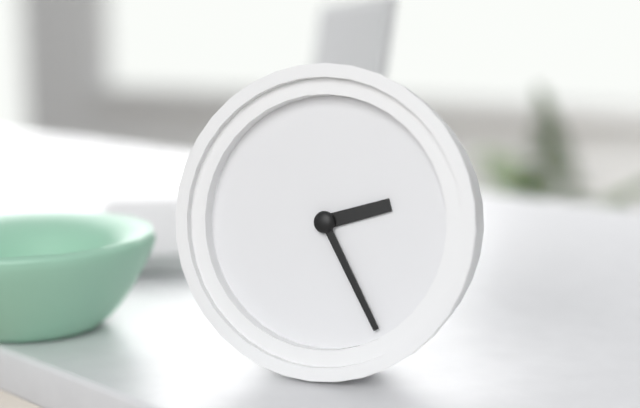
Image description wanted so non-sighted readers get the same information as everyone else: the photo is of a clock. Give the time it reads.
2:25
